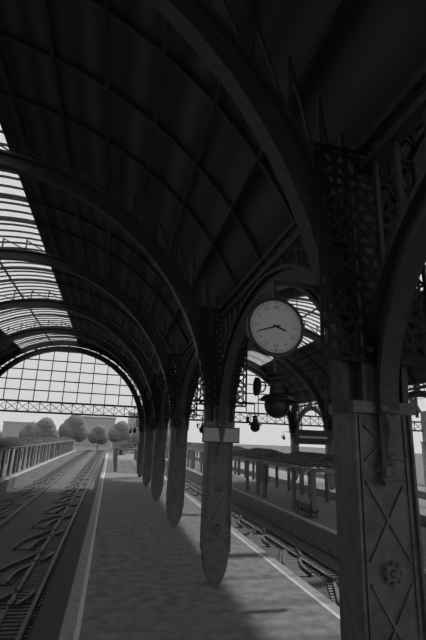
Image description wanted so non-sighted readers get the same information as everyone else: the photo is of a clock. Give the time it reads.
3:42
